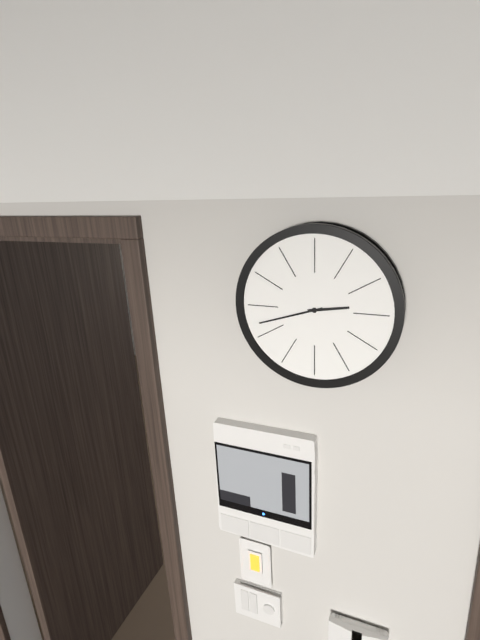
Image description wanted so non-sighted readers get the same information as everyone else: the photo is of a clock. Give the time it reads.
2:42
